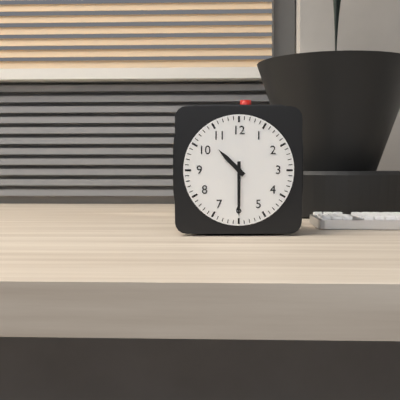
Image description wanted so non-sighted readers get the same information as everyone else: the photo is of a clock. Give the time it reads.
10:30
